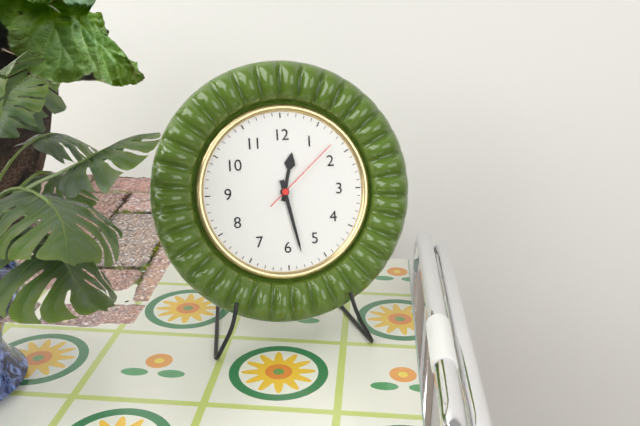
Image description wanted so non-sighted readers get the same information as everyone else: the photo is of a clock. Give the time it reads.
12:28:08
